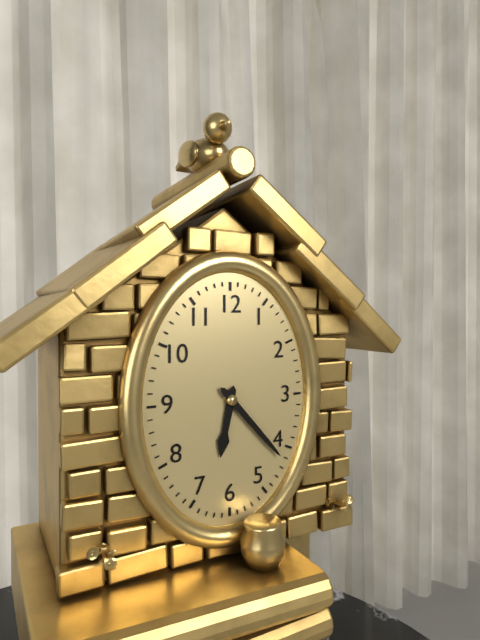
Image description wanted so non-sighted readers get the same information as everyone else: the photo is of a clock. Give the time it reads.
6:23
